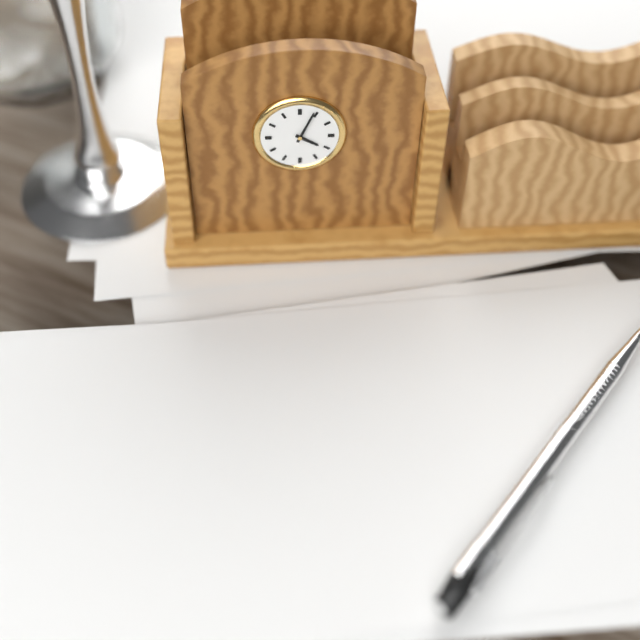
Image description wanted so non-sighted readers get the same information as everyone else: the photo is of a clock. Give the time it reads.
4:04
